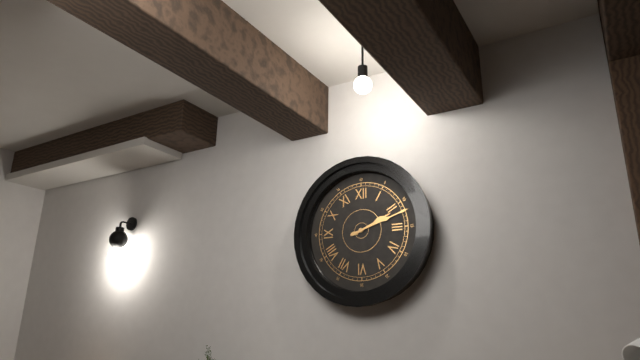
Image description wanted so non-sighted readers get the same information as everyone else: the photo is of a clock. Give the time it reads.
2:12
